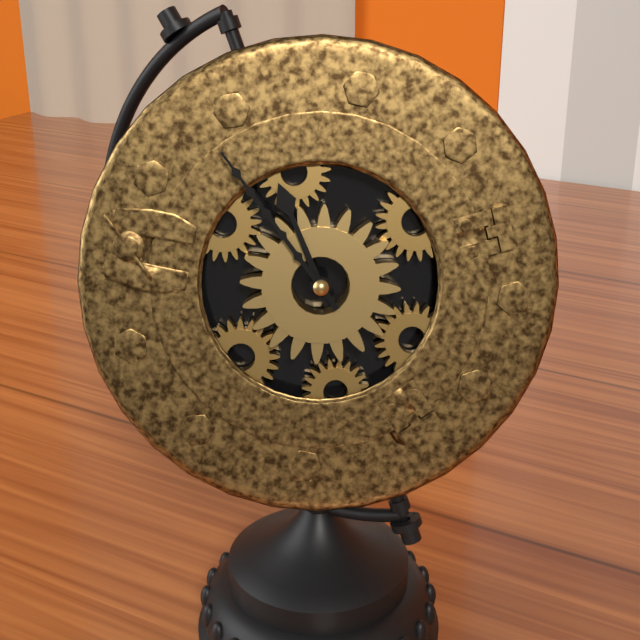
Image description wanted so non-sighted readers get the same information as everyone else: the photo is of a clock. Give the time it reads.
10:52
